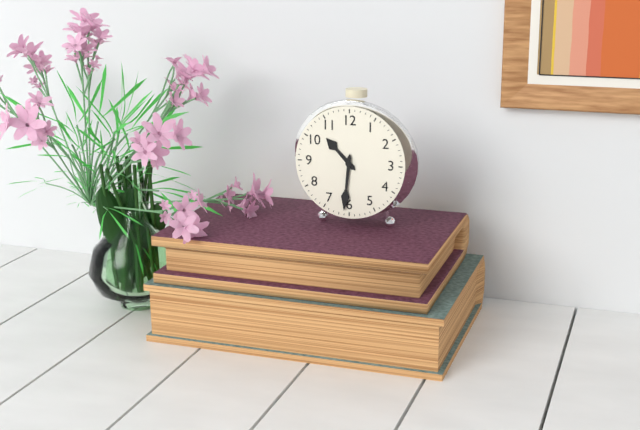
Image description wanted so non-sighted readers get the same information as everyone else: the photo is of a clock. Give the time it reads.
10:31
